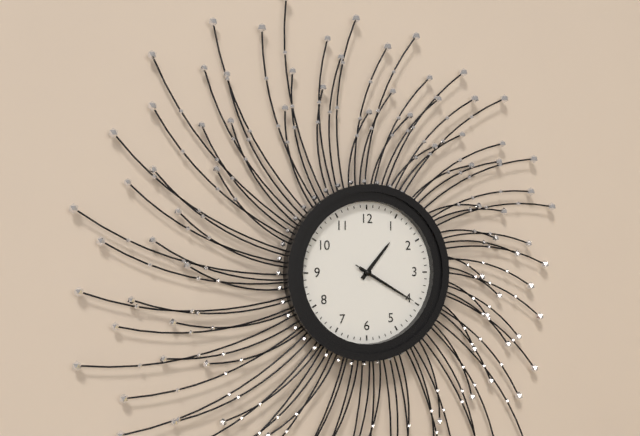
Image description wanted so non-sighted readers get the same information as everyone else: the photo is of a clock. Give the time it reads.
1:20:20
